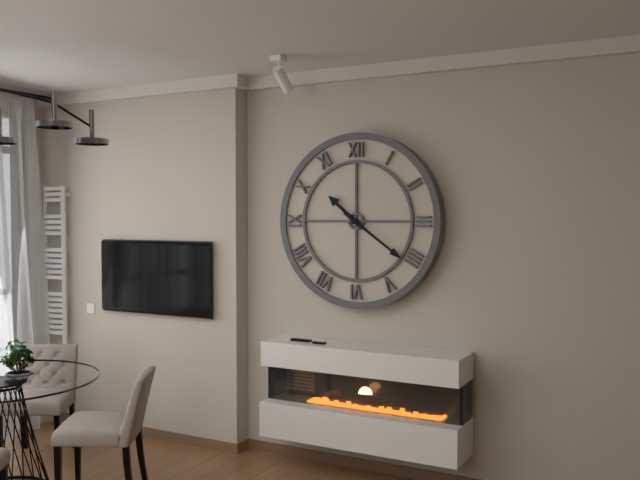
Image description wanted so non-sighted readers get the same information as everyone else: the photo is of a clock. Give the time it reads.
10:21
